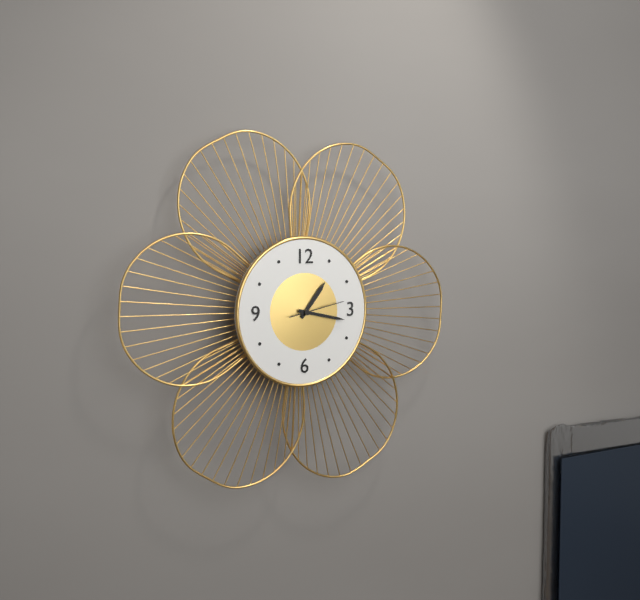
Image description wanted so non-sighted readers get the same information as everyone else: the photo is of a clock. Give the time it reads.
1:17
